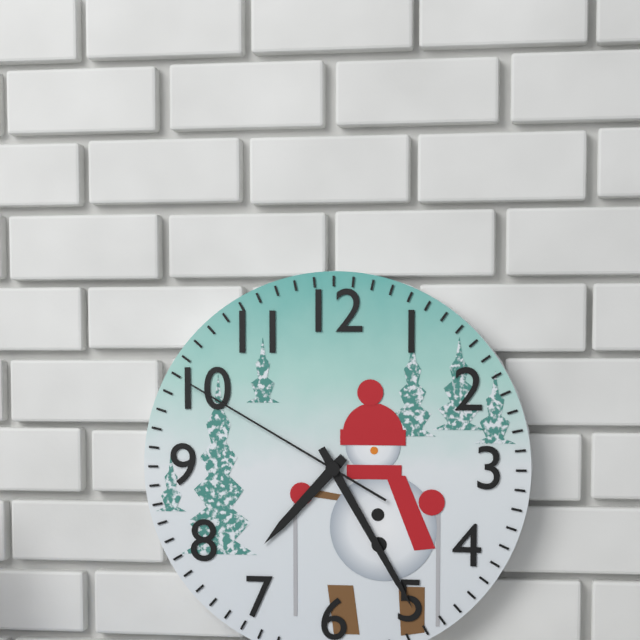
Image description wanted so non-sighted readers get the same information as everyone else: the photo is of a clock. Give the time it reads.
7:25:50
